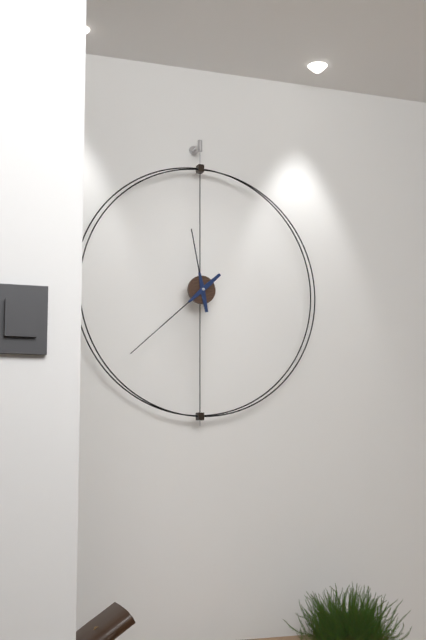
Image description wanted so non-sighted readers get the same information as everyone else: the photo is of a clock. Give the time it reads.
11:38
